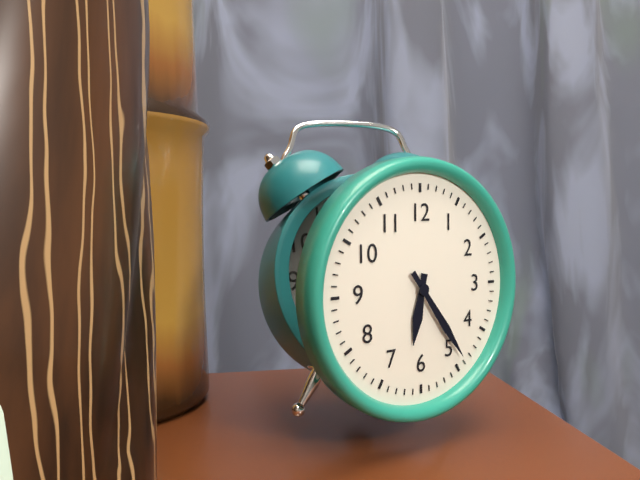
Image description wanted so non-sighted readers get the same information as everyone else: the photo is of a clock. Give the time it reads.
6:24
